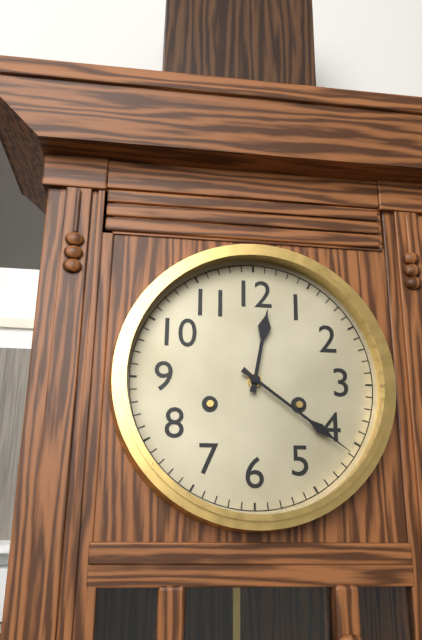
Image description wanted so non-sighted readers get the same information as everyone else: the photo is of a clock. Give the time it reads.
12:21
